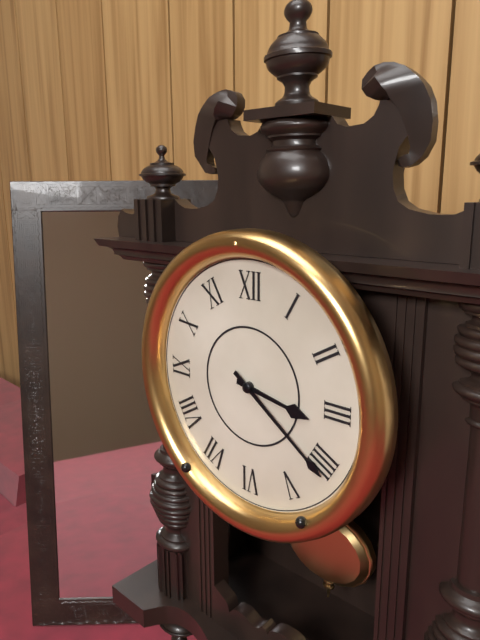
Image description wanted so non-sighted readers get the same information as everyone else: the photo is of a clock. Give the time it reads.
3:21
